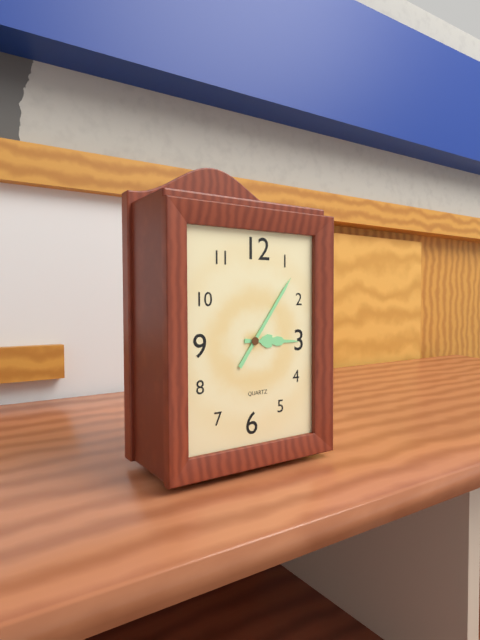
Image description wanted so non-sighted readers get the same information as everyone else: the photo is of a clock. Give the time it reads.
3:06
